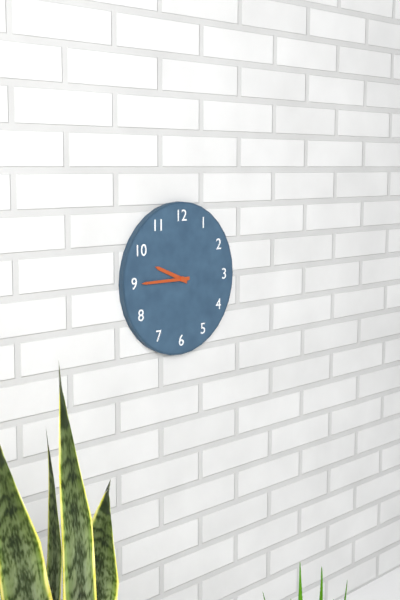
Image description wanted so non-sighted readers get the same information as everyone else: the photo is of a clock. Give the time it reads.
9:45
